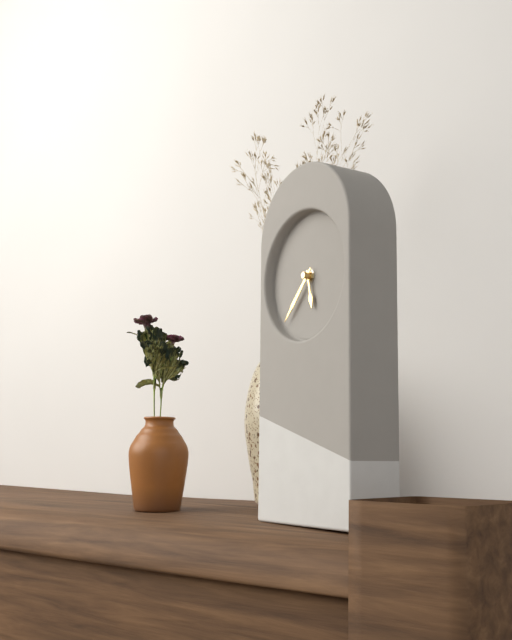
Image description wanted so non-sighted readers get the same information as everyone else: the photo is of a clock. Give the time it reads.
5:37
